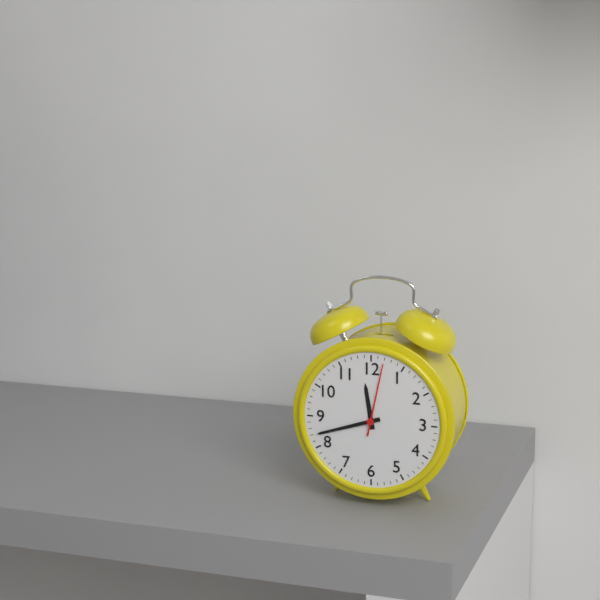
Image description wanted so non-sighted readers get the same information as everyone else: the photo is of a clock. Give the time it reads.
11:42:02
